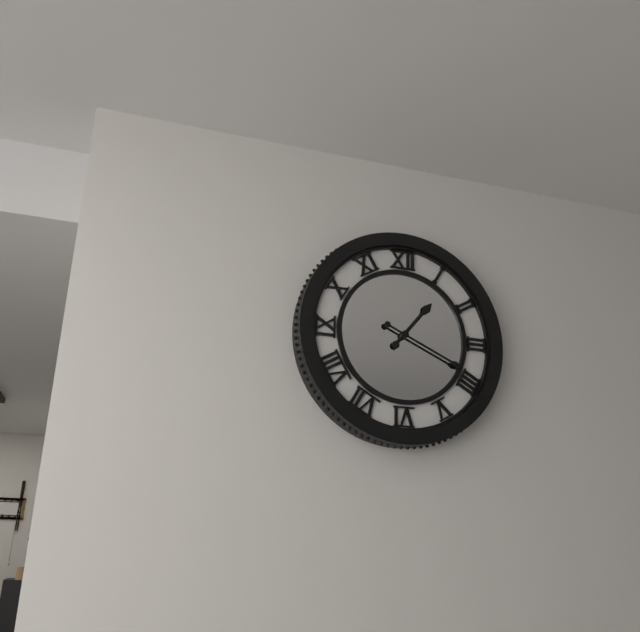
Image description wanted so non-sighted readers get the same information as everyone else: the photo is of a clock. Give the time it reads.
1:19
